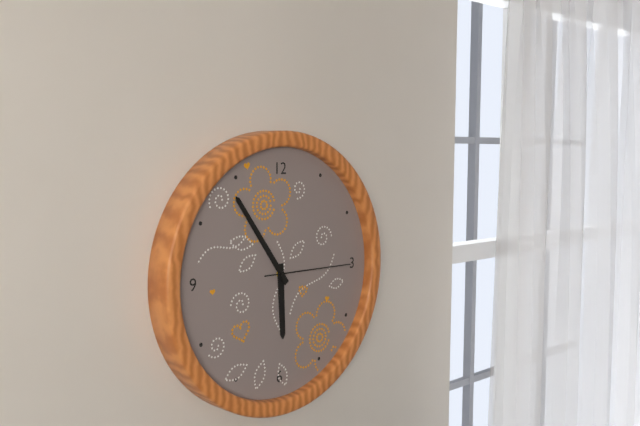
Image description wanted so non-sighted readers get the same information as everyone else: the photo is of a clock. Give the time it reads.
5:54:15
